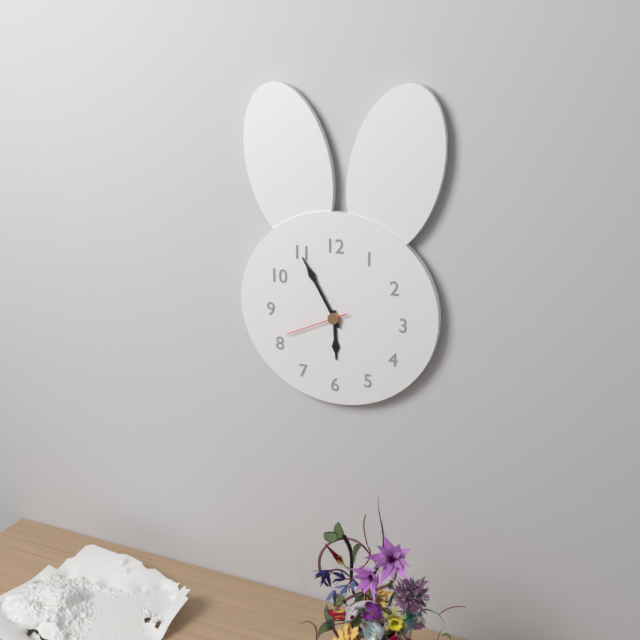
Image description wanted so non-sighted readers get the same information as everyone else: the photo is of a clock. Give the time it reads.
5:55:41
